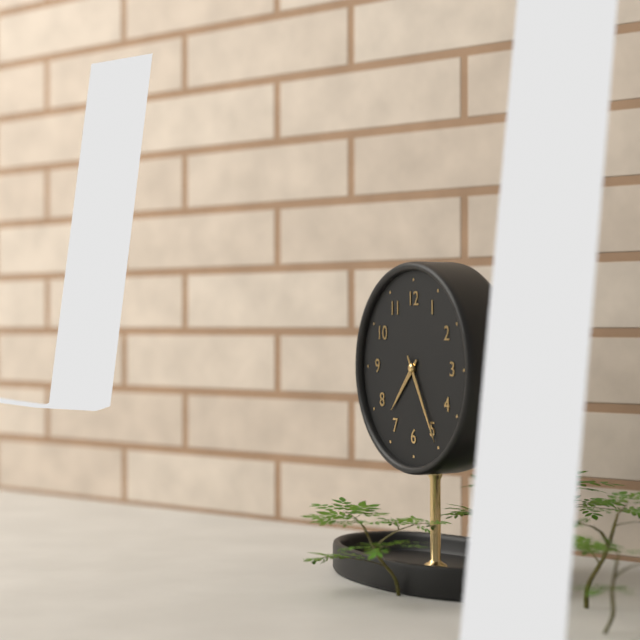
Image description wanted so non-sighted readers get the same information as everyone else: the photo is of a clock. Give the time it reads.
7:25
